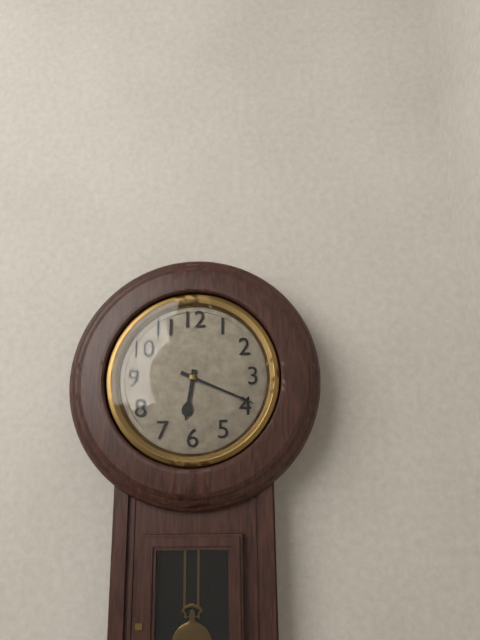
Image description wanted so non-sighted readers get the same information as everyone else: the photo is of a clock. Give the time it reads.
6:19
